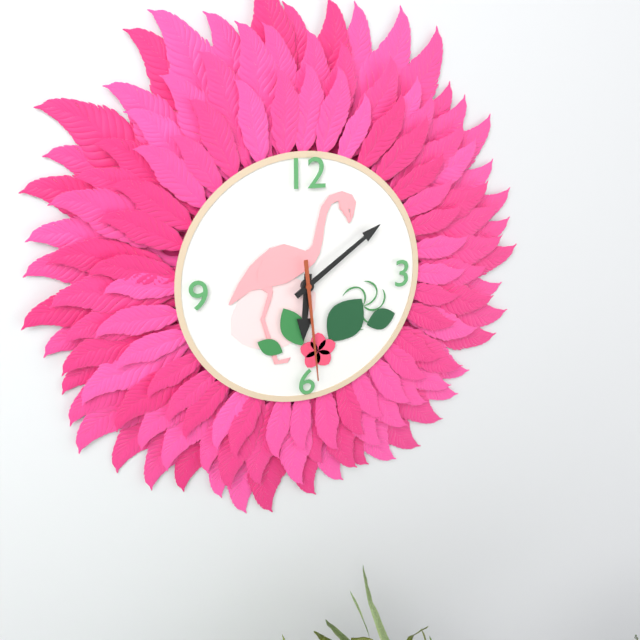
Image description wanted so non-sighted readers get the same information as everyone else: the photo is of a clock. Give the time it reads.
6:09:29
